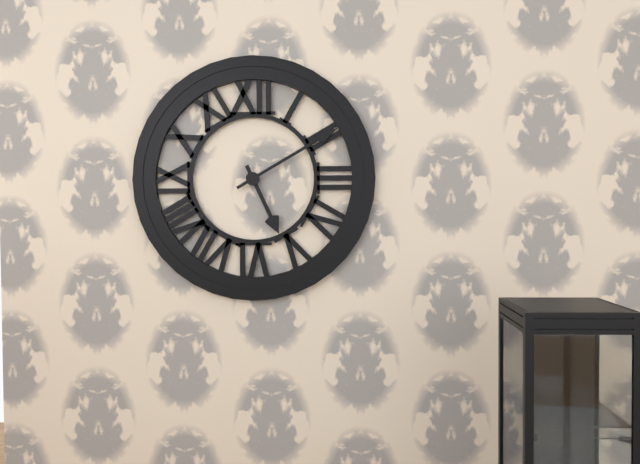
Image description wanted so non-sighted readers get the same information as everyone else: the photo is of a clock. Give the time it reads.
5:10
